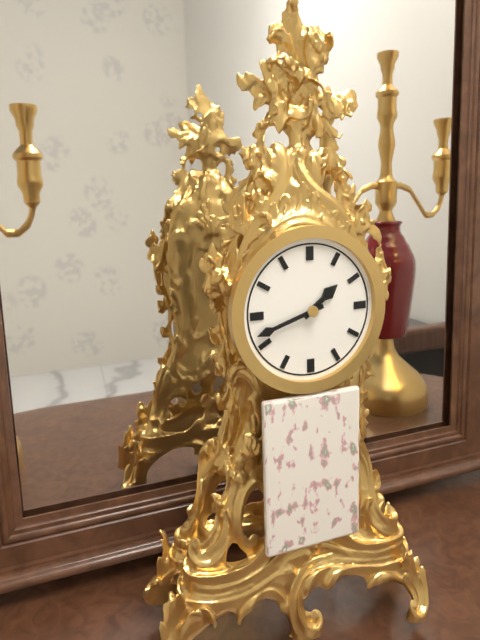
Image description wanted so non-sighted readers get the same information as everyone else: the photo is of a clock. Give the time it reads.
1:42
